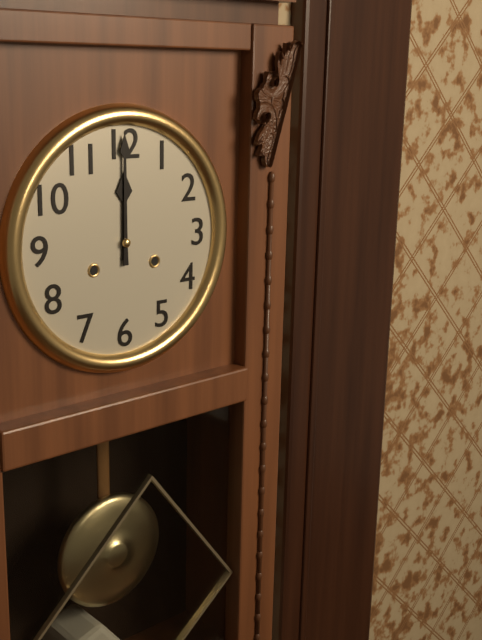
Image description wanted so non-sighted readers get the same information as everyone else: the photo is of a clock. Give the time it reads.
12:00
